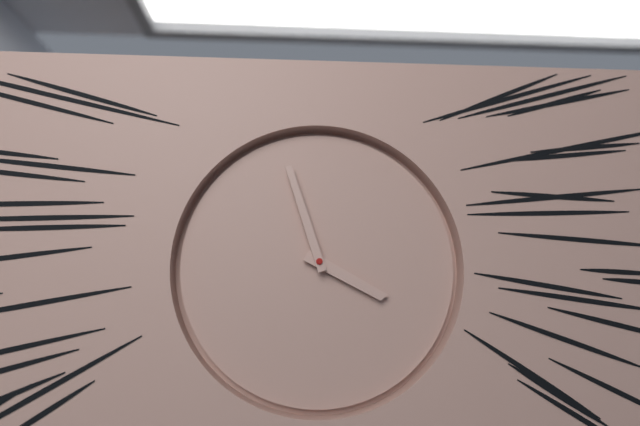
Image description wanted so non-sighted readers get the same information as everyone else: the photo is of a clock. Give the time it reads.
3:57
